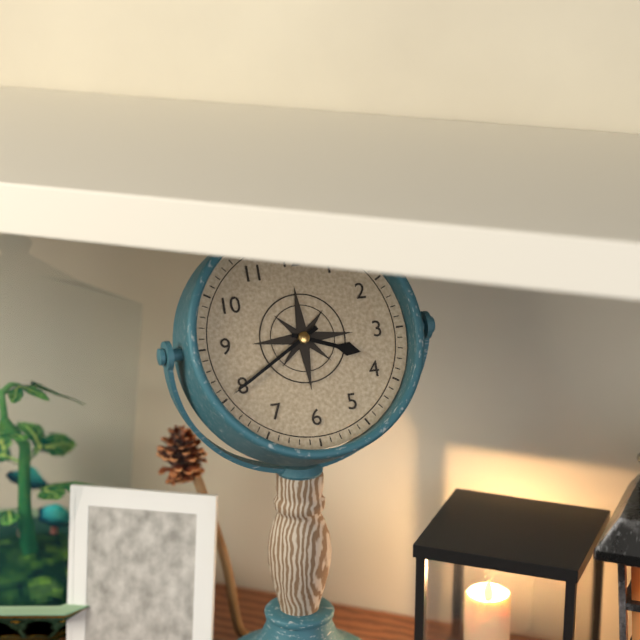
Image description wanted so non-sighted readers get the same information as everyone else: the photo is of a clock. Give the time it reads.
3:40
